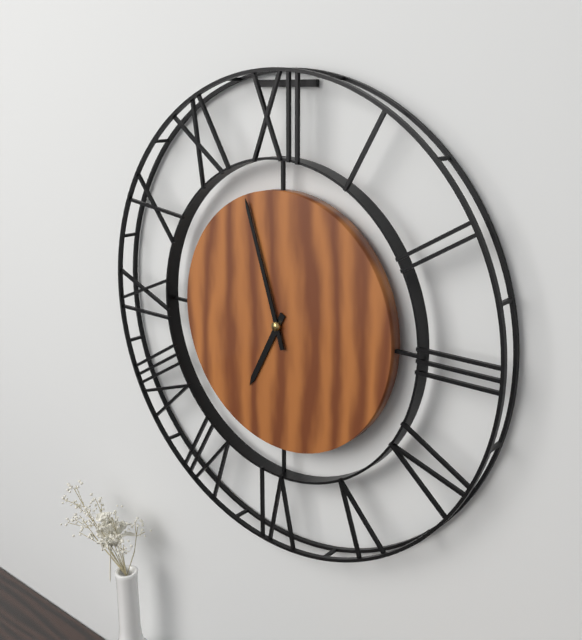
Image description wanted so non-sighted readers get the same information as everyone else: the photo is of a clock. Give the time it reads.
6:57
